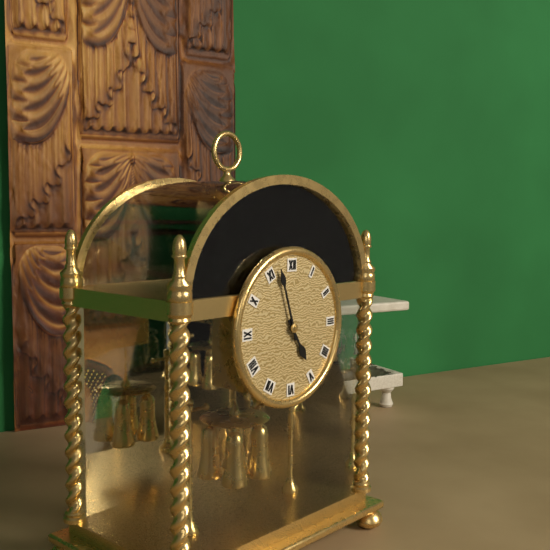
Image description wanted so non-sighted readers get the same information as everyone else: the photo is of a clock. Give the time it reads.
4:57
